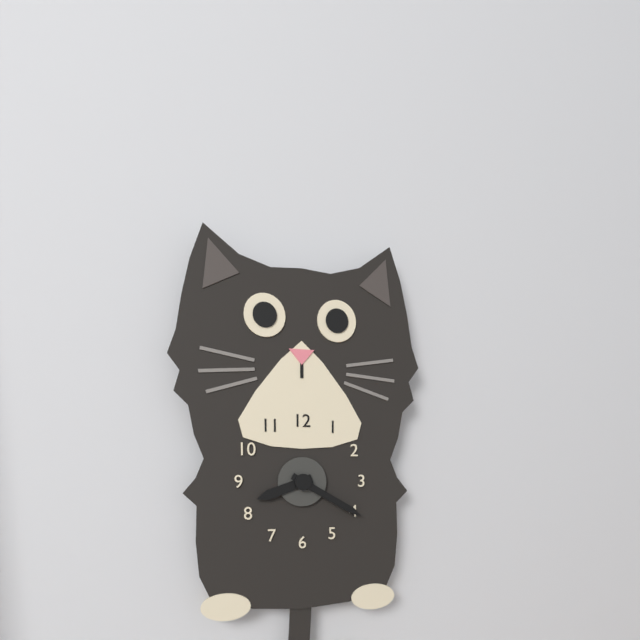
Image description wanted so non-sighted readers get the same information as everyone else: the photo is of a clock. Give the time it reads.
8:20
